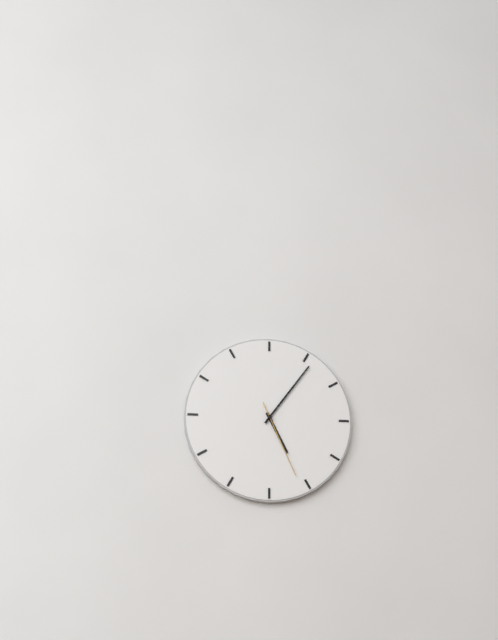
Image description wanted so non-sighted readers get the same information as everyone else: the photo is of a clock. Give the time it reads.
5:06:26
